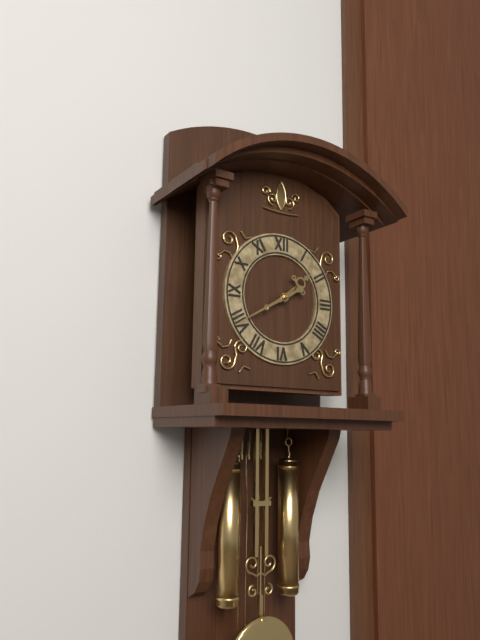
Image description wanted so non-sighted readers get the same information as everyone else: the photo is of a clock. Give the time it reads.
1:40
